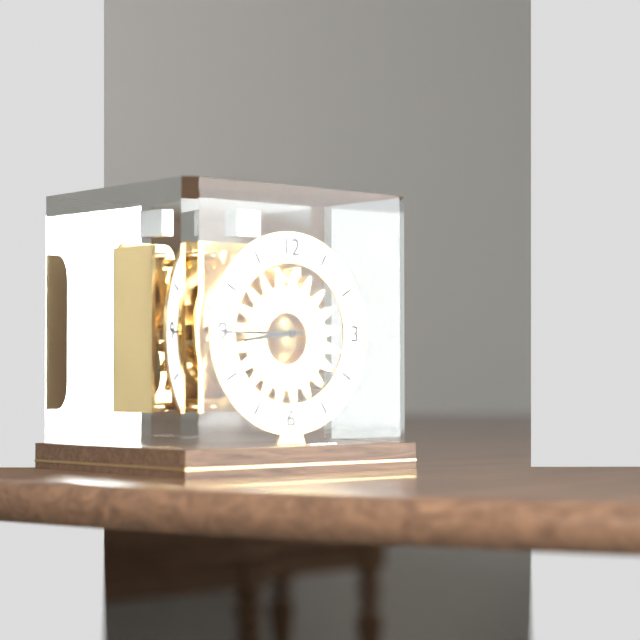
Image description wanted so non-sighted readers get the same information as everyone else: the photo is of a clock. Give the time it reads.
8:45
